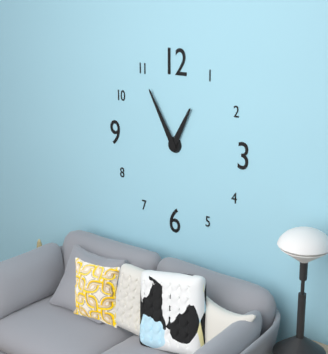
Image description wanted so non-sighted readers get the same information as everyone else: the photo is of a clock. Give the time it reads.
12:55
